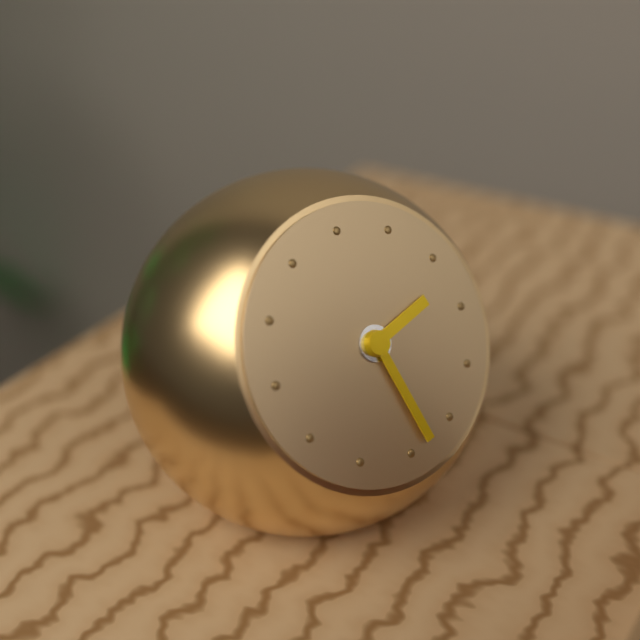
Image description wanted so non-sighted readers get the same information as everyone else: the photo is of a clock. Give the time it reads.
2:28
